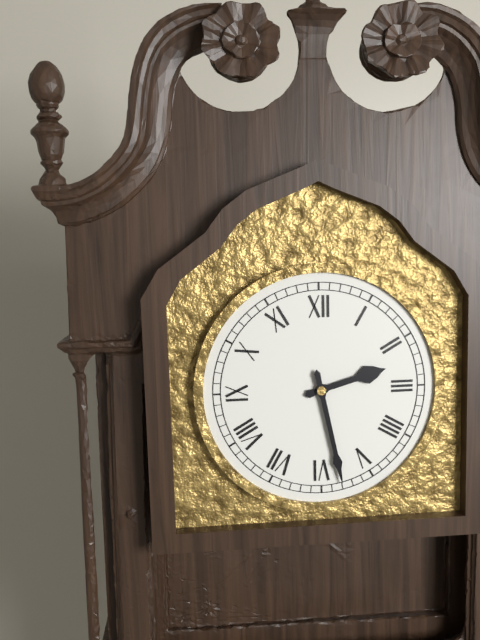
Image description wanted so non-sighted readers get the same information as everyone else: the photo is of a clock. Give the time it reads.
2:28
